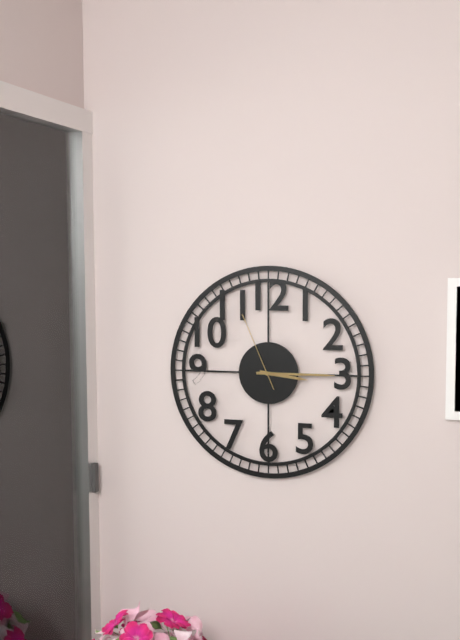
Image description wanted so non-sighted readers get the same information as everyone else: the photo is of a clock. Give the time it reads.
3:15:56
